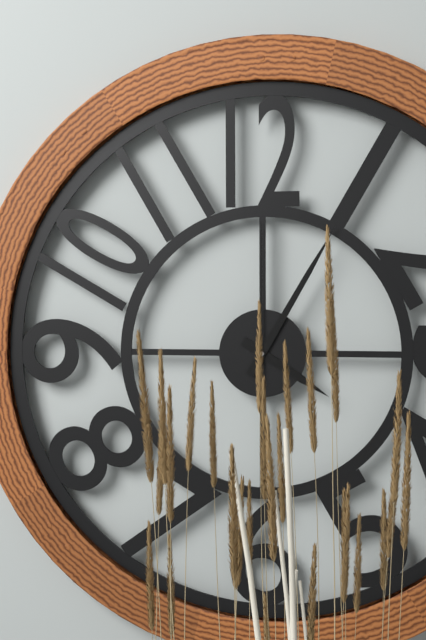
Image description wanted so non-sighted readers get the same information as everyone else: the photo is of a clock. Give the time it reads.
4:05:00
